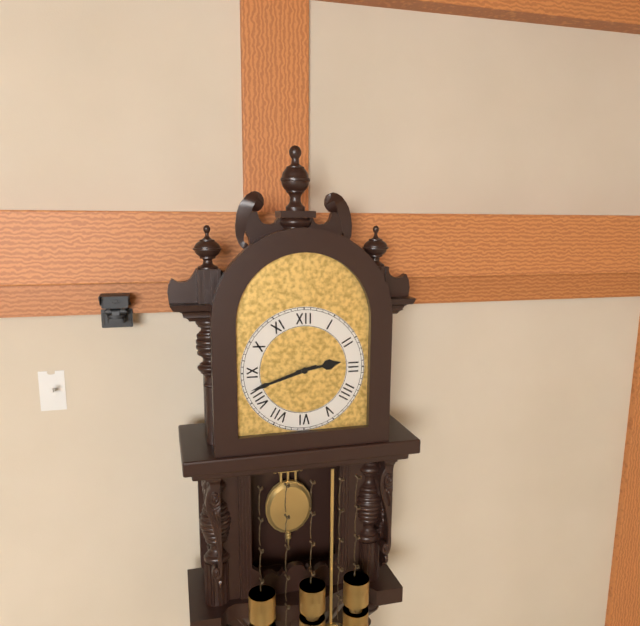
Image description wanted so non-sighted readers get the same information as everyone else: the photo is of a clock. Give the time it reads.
2:42
